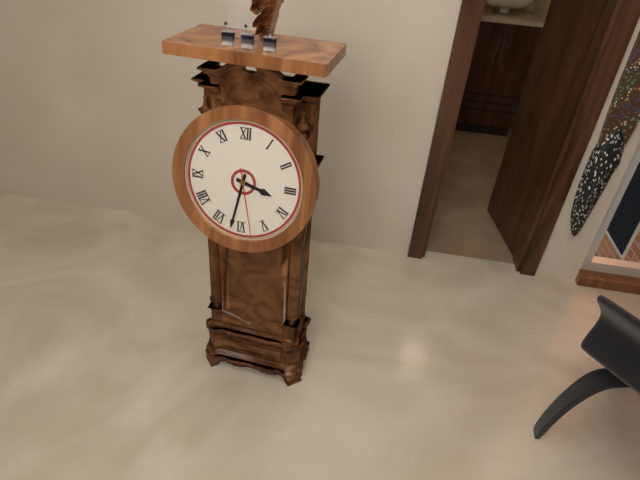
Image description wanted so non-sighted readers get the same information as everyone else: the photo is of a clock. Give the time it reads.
3:32:28
